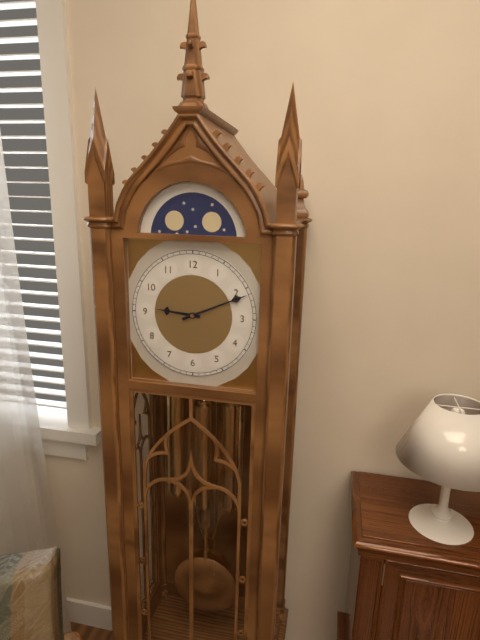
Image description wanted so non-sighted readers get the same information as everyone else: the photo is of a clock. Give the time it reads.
9:11
